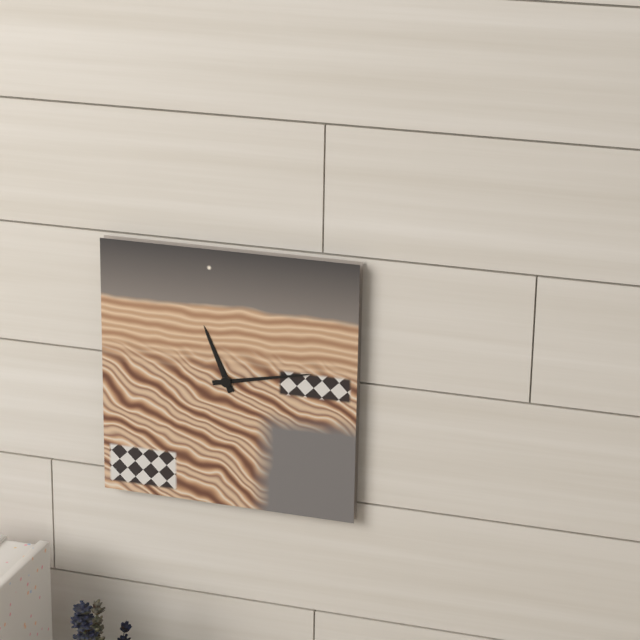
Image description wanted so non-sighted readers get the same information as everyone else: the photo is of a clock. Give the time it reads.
11:13
